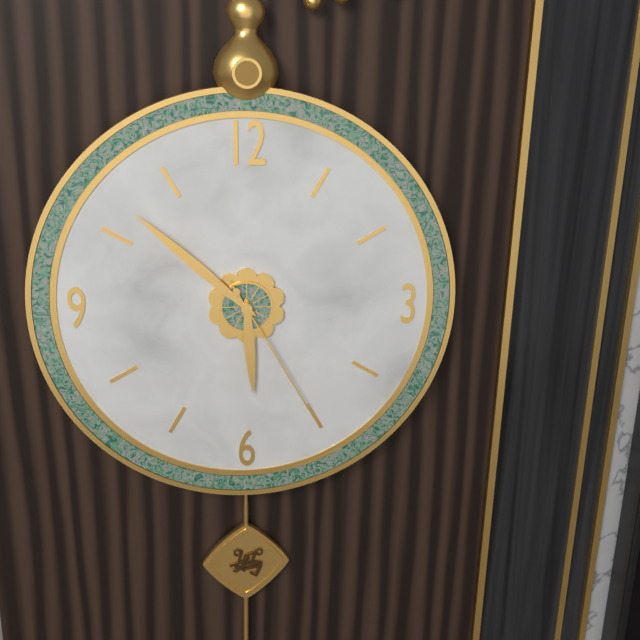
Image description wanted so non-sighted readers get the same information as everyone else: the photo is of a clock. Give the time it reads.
5:52:25
